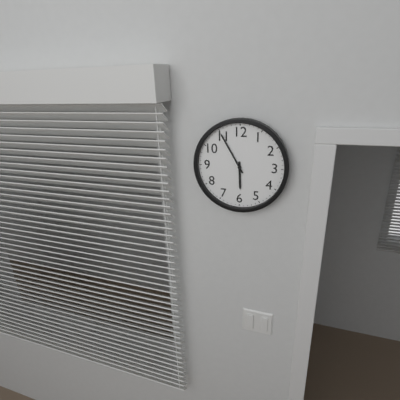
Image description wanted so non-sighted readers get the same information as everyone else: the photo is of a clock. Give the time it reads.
5:55
